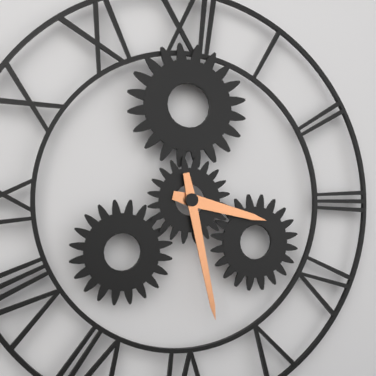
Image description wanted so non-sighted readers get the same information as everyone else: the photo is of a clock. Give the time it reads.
3:28
